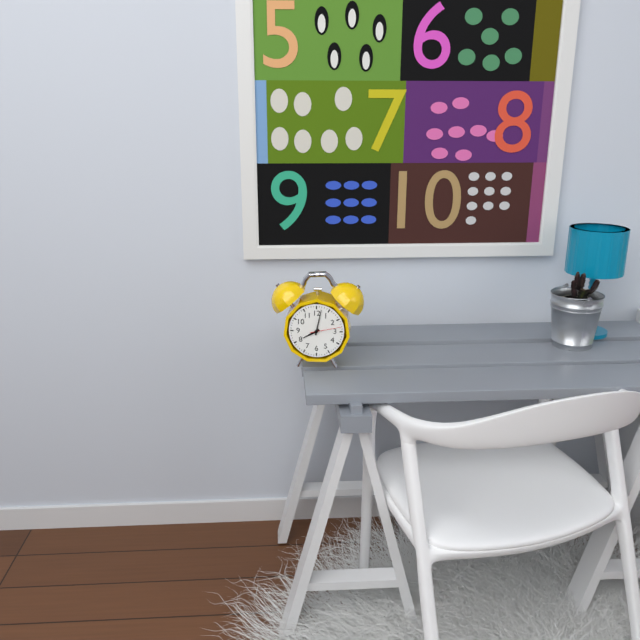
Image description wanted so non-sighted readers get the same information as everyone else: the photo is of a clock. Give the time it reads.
8:02
